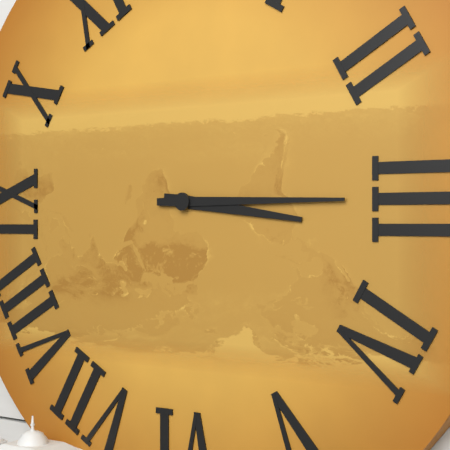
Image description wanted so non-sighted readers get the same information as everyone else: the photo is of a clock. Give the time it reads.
3:15
